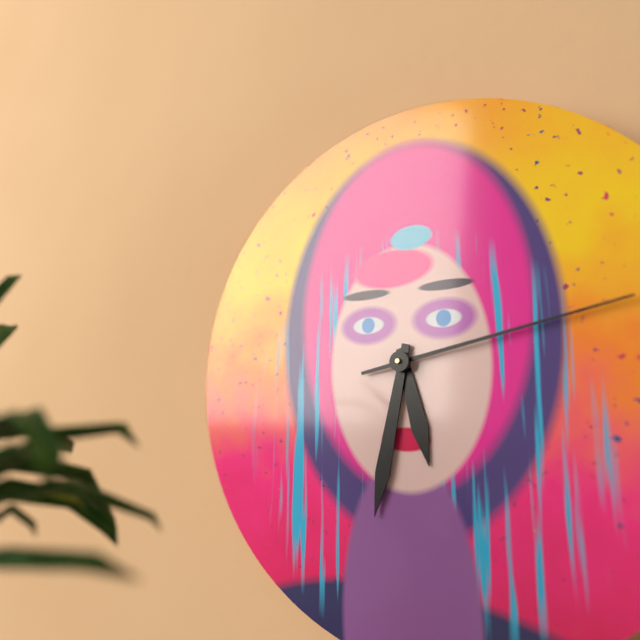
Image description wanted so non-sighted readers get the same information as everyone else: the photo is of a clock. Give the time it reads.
5:32:13
